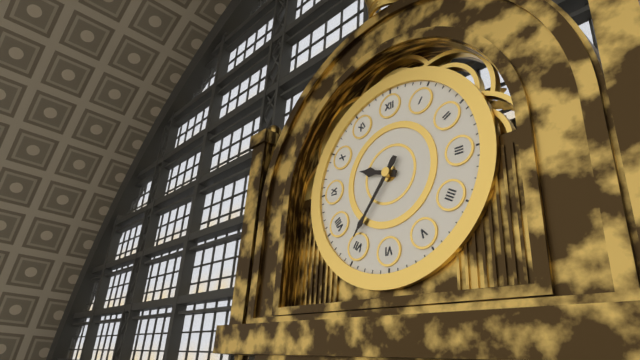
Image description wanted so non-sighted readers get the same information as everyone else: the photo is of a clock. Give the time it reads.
9:36
